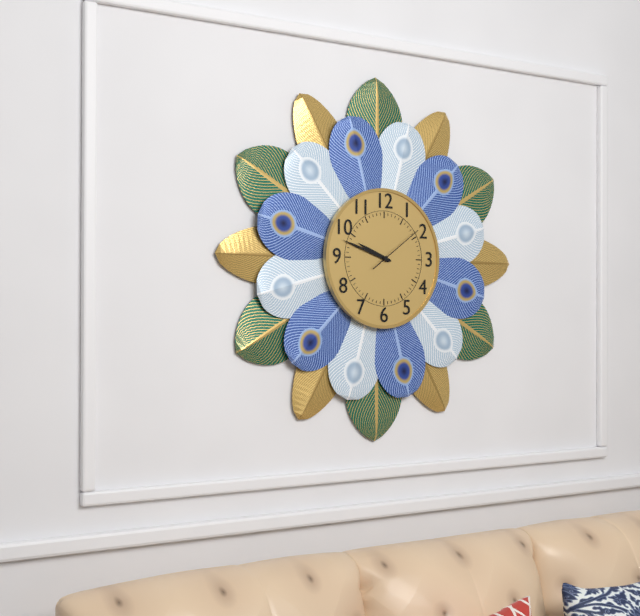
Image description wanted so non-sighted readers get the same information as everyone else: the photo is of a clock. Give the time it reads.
9:48:09
